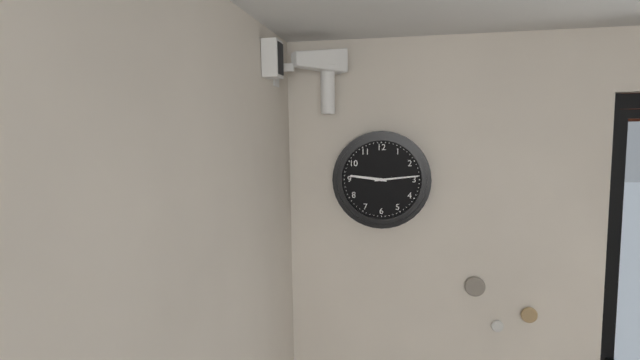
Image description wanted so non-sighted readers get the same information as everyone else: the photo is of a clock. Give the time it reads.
9:14
